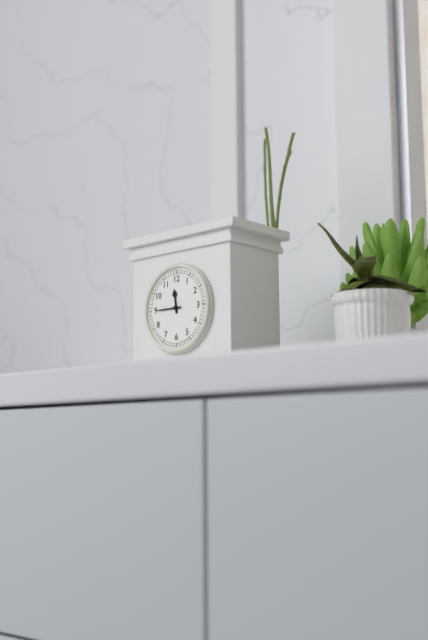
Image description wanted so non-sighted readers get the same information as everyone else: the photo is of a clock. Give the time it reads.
11:45
